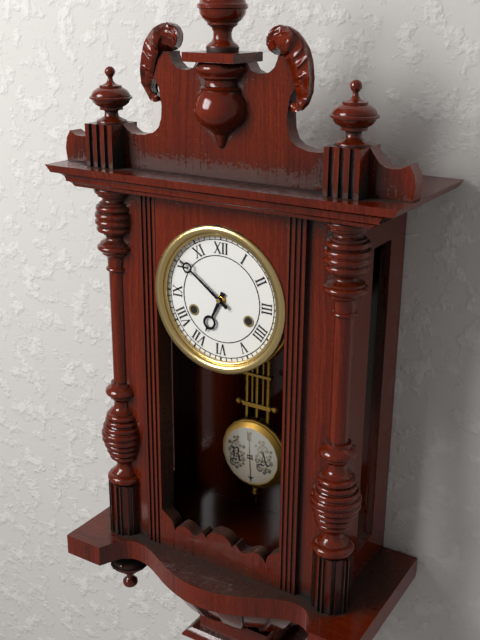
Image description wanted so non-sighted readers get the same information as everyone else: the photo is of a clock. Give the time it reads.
6:51
